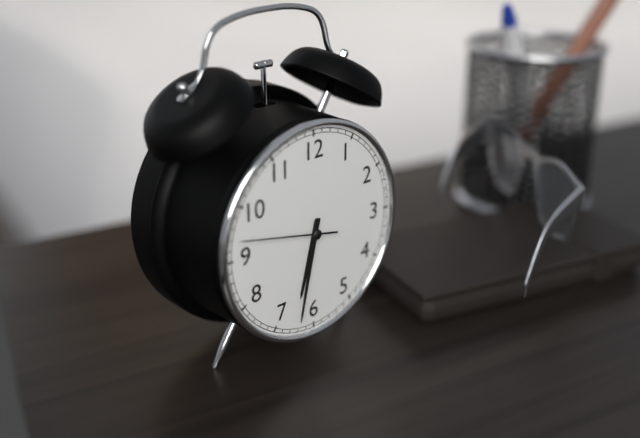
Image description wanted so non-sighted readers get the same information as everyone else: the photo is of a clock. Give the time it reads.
6:32:47
